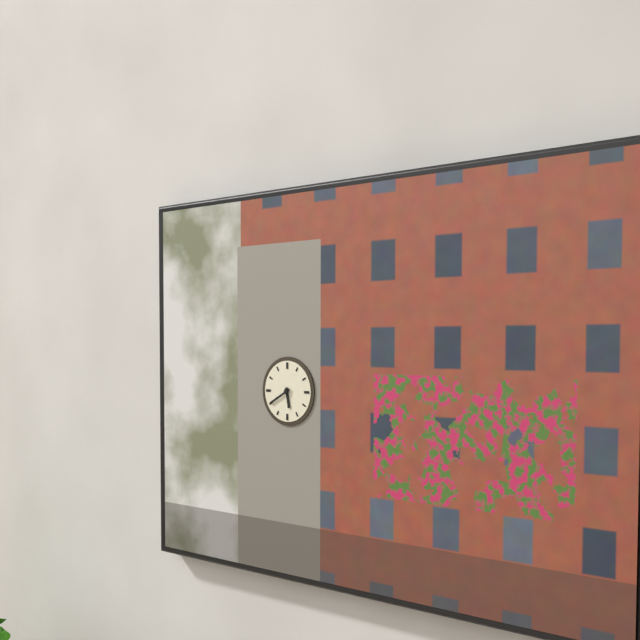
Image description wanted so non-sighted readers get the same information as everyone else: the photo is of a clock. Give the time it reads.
5:40
